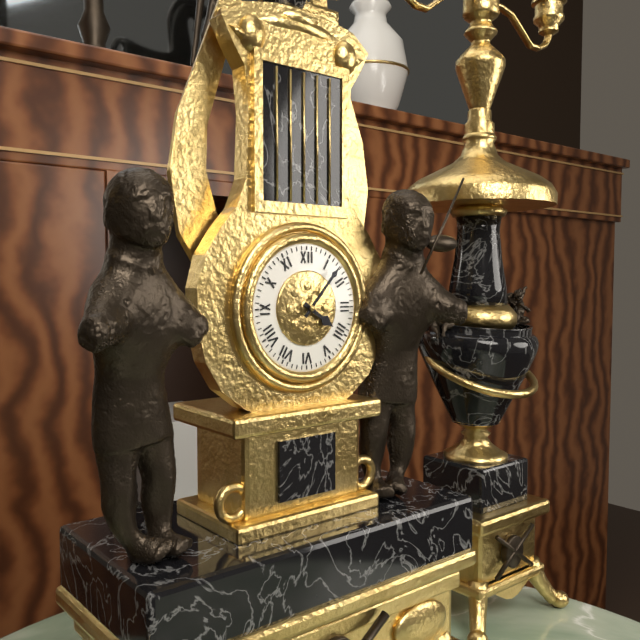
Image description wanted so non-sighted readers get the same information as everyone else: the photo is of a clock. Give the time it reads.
4:07
